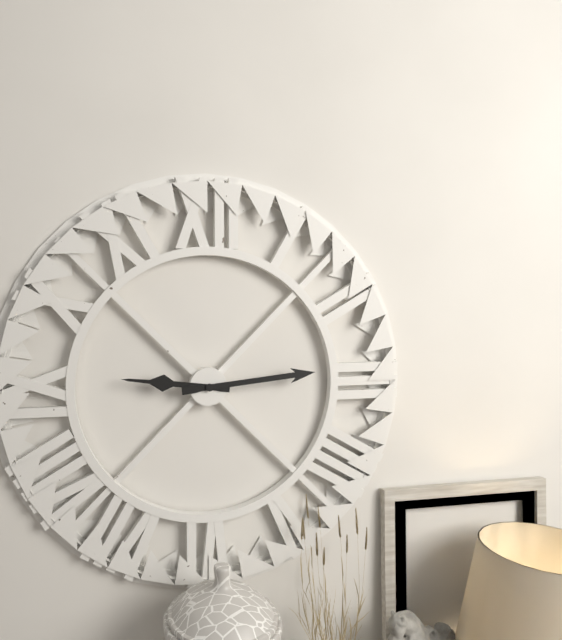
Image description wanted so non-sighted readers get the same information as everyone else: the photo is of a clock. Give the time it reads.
9:14
